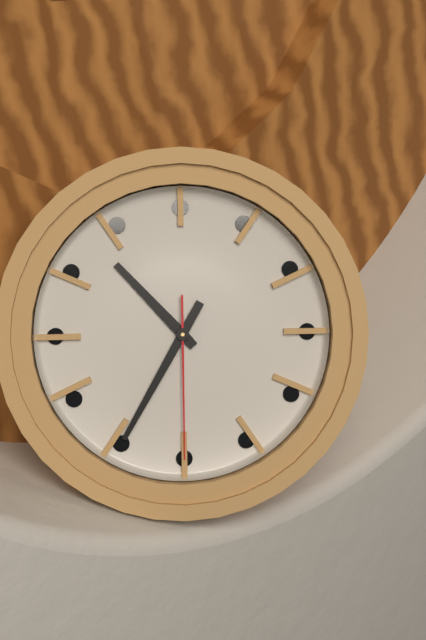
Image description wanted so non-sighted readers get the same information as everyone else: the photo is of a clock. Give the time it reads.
10:35:30
